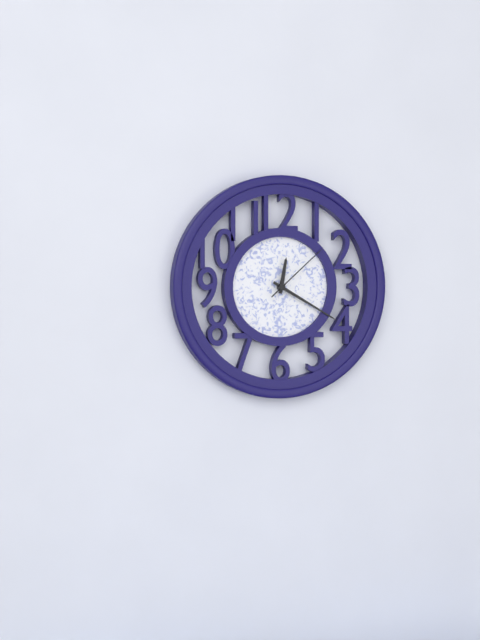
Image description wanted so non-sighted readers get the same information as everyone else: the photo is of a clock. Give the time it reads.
12:20:08
